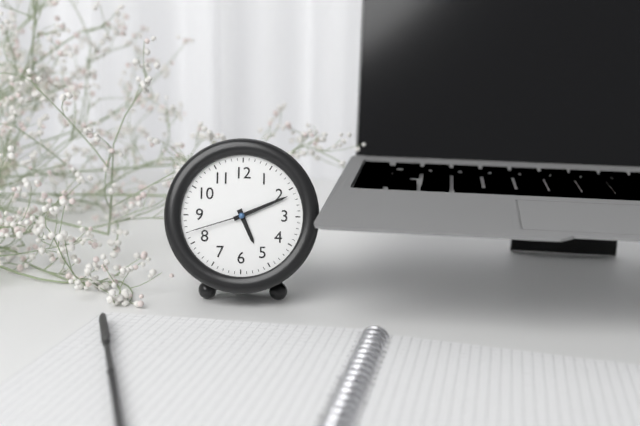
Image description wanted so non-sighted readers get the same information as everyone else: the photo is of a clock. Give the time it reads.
5:11:42
